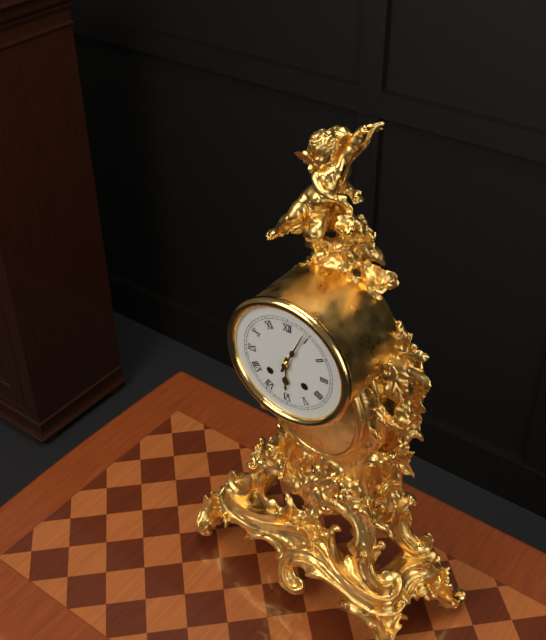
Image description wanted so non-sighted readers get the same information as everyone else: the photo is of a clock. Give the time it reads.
6:04
